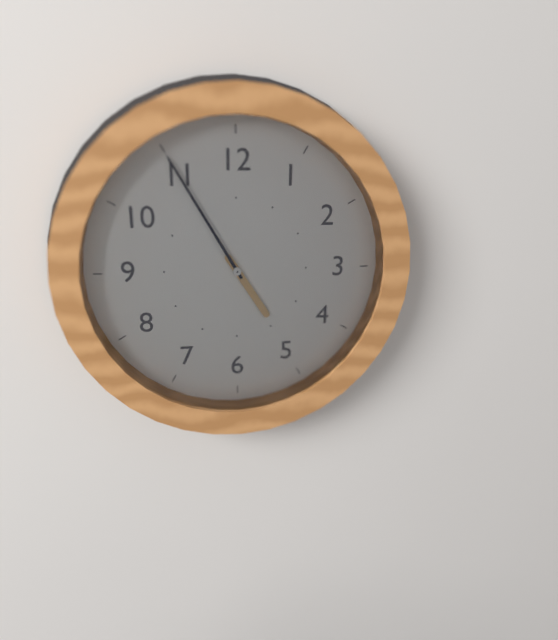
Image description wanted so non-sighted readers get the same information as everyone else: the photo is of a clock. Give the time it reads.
4:55
